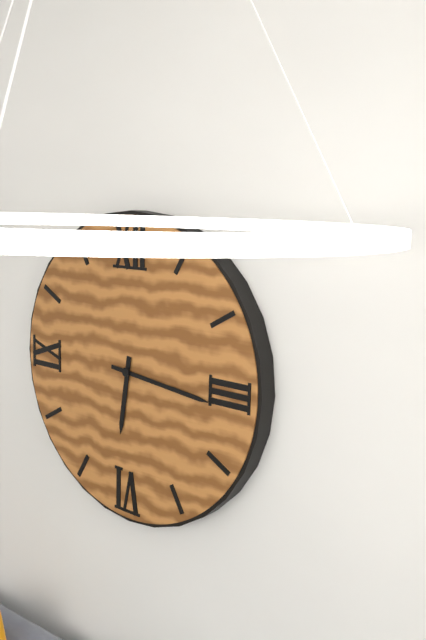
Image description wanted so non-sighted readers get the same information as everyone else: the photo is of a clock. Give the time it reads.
6:16
